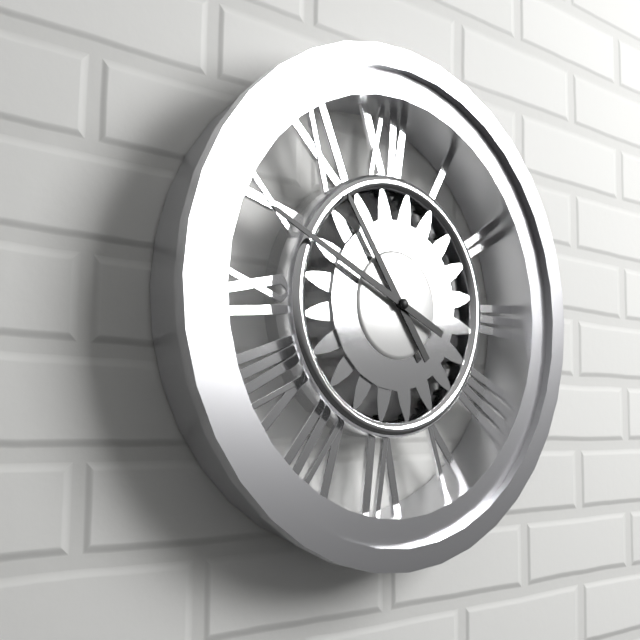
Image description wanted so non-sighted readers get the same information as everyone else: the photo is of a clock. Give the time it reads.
10:49
